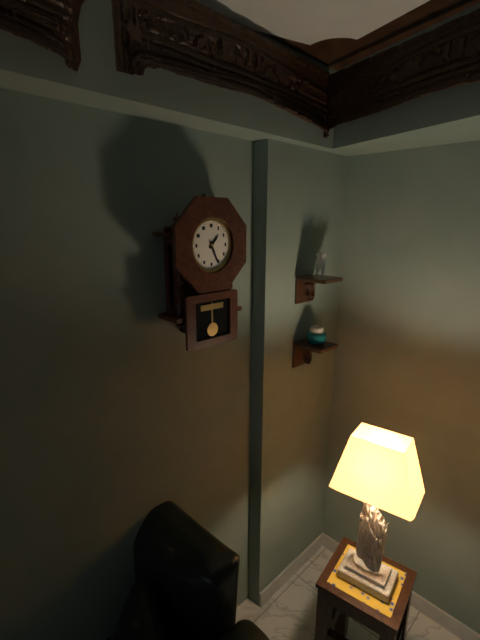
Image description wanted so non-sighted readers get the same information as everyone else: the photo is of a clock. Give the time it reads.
1:26
